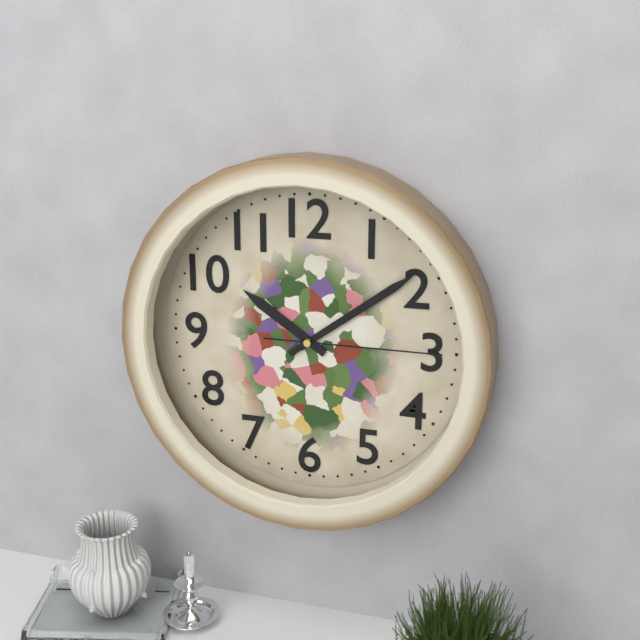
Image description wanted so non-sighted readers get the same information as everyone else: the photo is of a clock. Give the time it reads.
10:09:15
